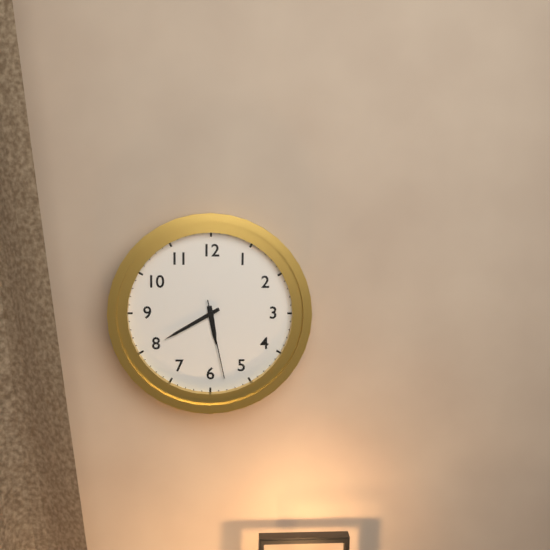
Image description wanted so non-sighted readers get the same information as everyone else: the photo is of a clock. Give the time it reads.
5:40:28
